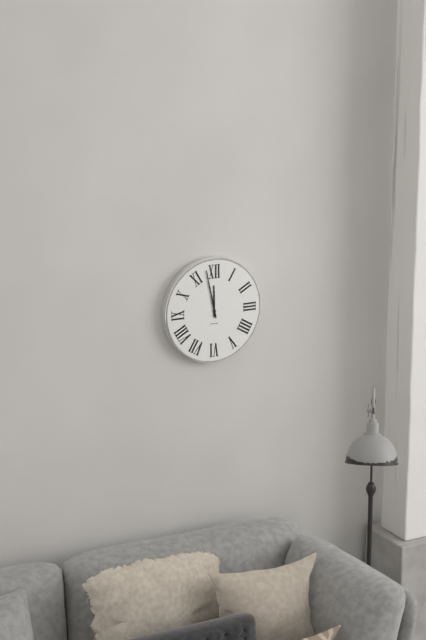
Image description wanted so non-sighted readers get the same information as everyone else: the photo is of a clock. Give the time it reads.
11:58
